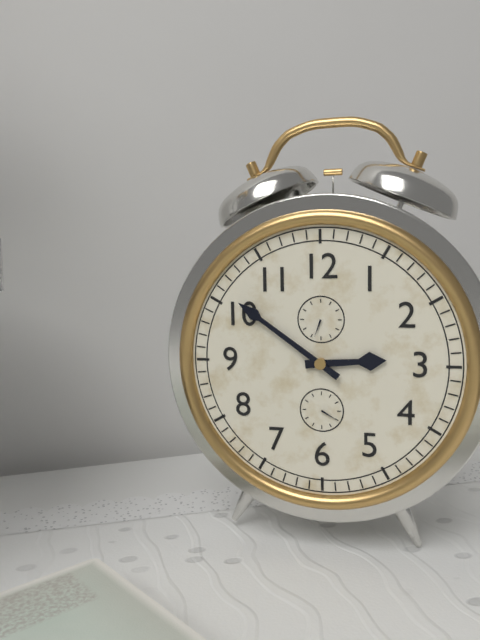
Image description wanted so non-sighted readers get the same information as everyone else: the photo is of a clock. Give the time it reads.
2:51
